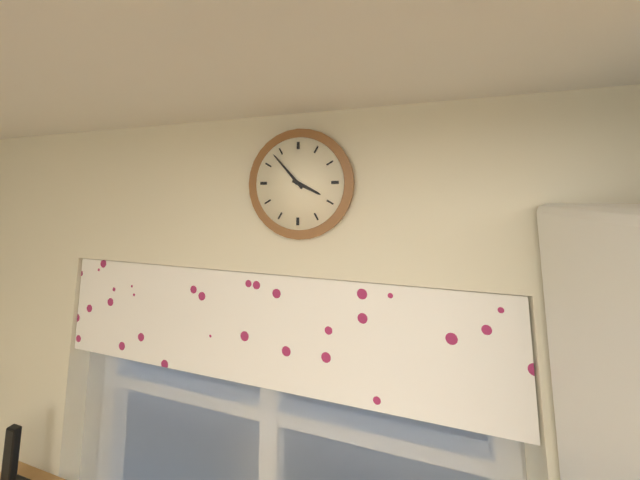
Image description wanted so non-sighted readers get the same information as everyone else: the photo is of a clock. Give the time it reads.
3:53
